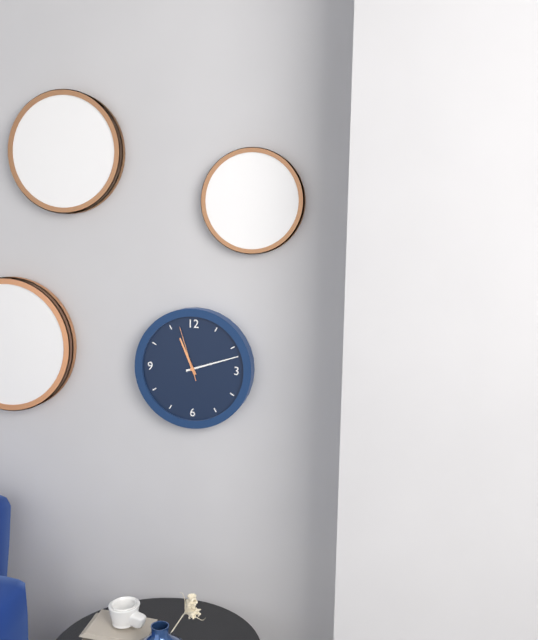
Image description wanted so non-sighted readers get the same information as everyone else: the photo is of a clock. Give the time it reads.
11:12:57
